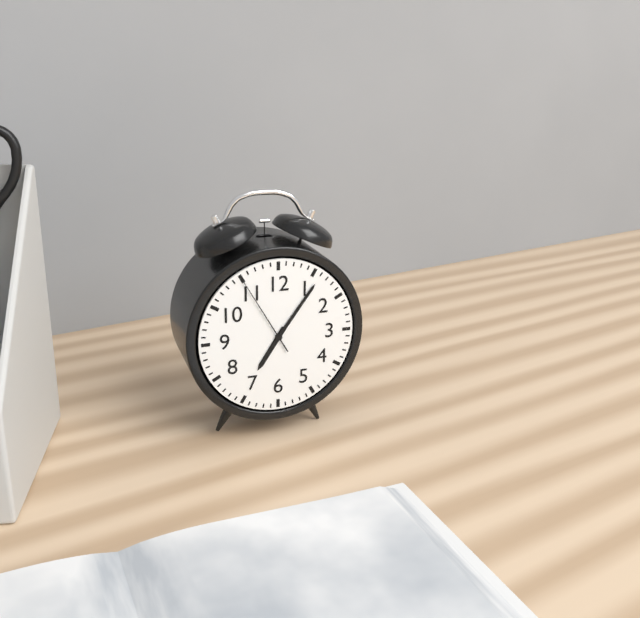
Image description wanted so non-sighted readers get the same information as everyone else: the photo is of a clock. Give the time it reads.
7:06:55
